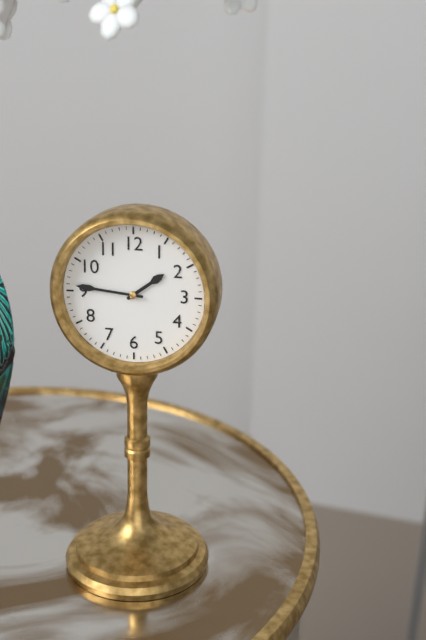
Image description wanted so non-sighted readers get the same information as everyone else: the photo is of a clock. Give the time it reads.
1:46
